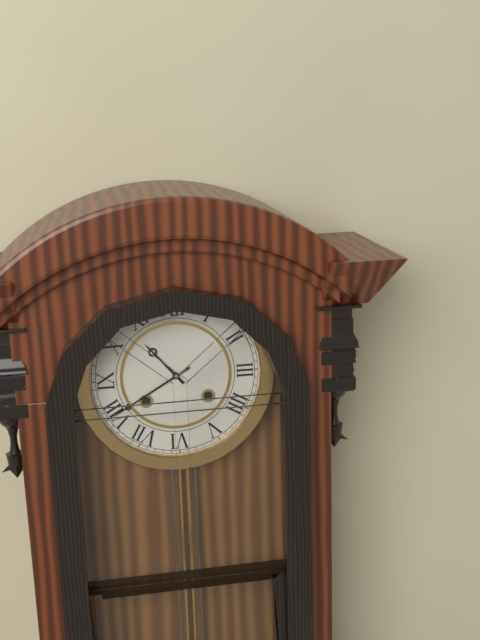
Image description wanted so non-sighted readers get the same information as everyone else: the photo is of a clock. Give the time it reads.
10:40
